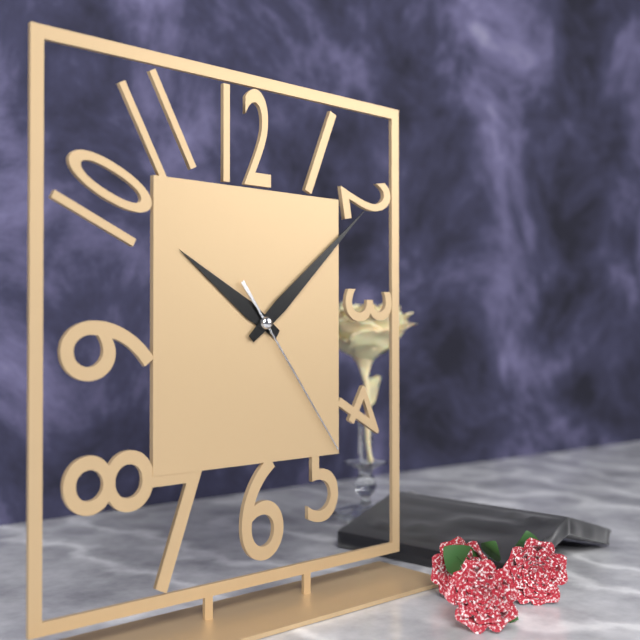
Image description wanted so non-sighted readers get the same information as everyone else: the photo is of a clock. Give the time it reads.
10:08:24
